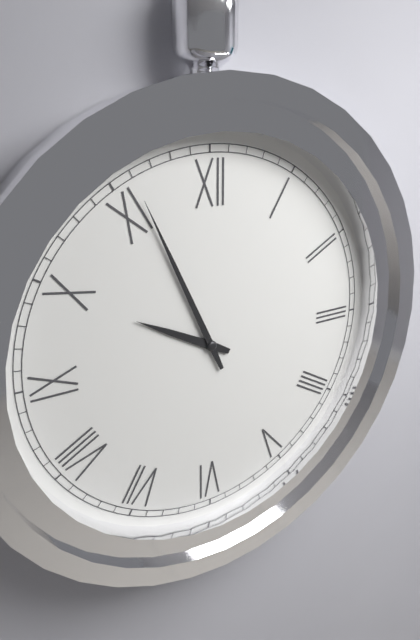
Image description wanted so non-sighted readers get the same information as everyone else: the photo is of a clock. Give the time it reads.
9:56
